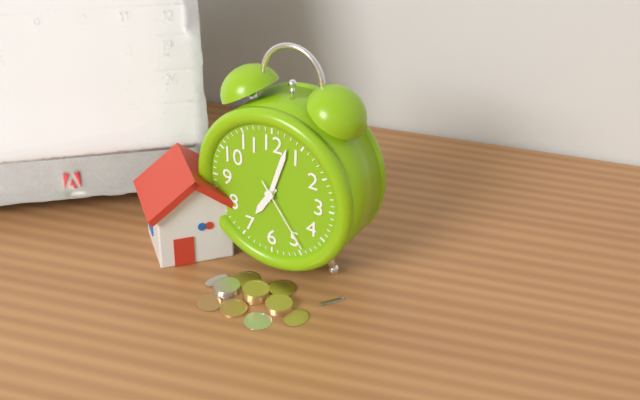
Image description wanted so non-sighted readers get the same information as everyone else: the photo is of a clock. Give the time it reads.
7:03:24
